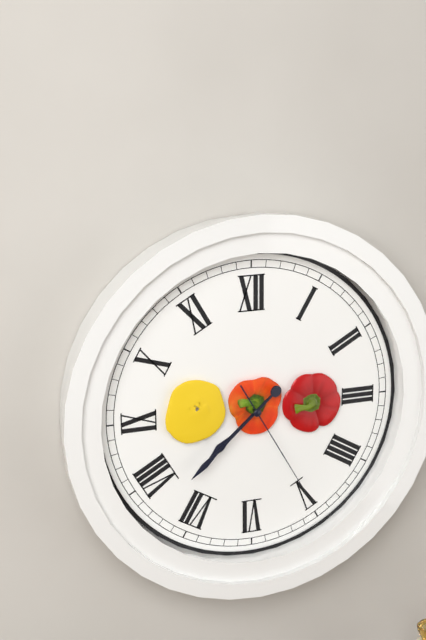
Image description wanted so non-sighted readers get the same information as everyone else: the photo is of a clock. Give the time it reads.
7:38:25
